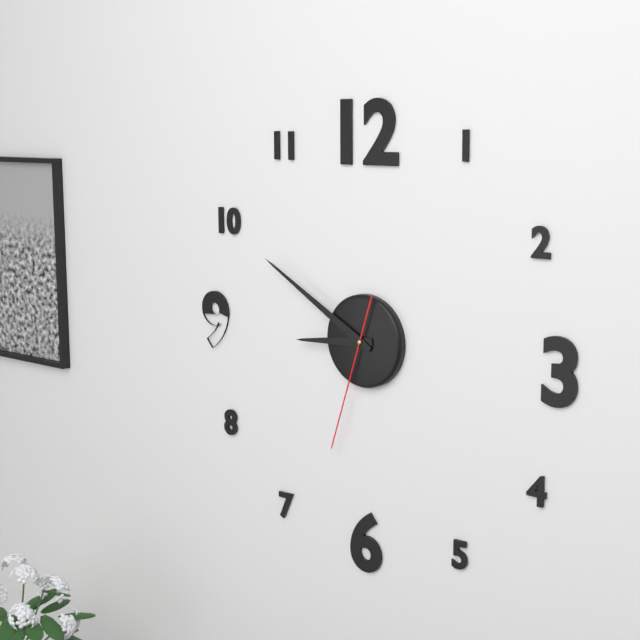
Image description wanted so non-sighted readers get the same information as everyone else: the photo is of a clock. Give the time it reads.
8:50:33
